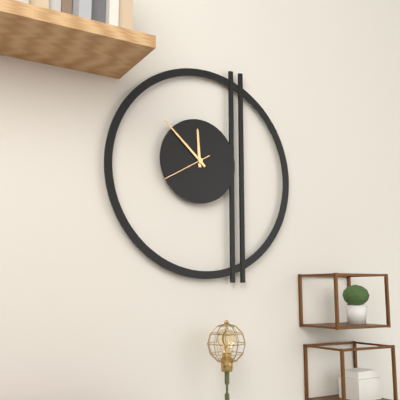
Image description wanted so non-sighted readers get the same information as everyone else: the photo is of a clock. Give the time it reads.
11:52:40
